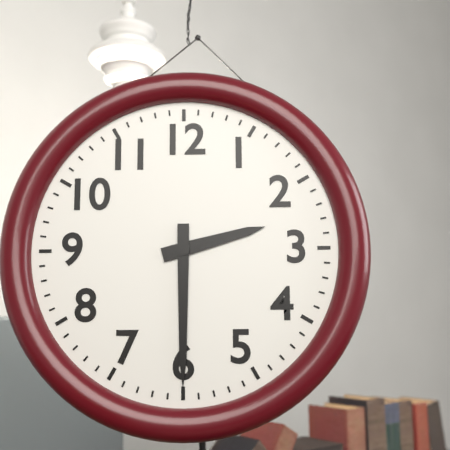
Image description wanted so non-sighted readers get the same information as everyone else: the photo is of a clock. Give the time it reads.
2:30
